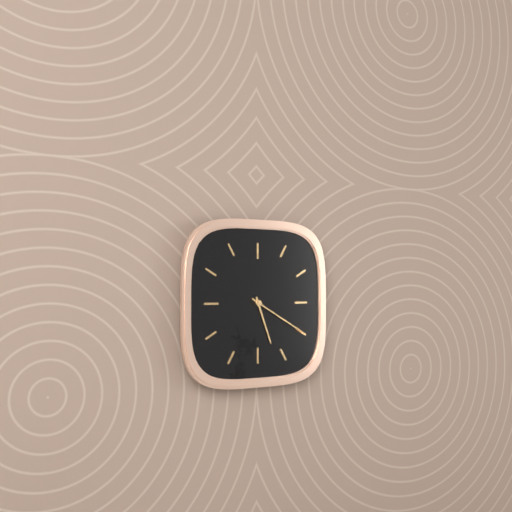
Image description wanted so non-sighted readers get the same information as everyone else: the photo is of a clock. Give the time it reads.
5:20
